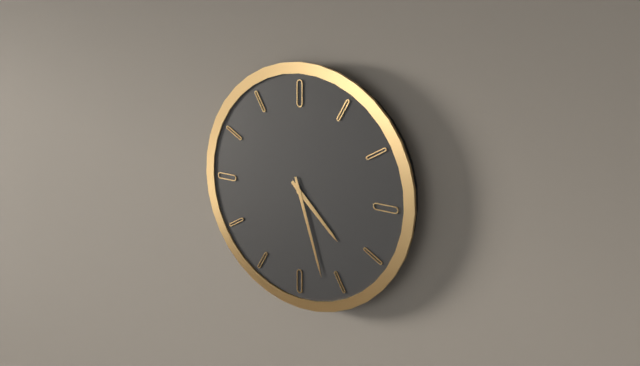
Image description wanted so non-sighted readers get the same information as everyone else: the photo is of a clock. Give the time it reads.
4:27
